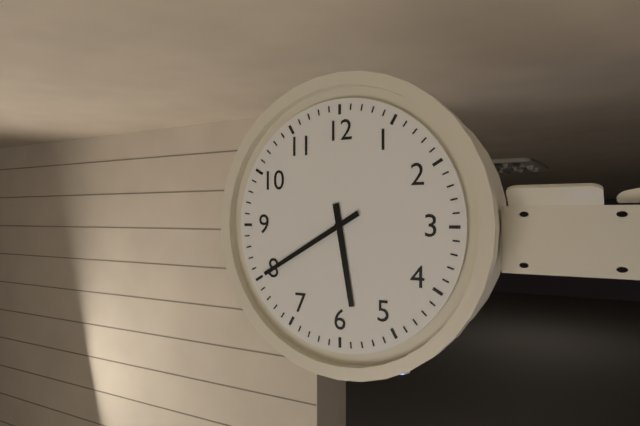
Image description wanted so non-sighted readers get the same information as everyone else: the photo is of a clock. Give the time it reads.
5:40
